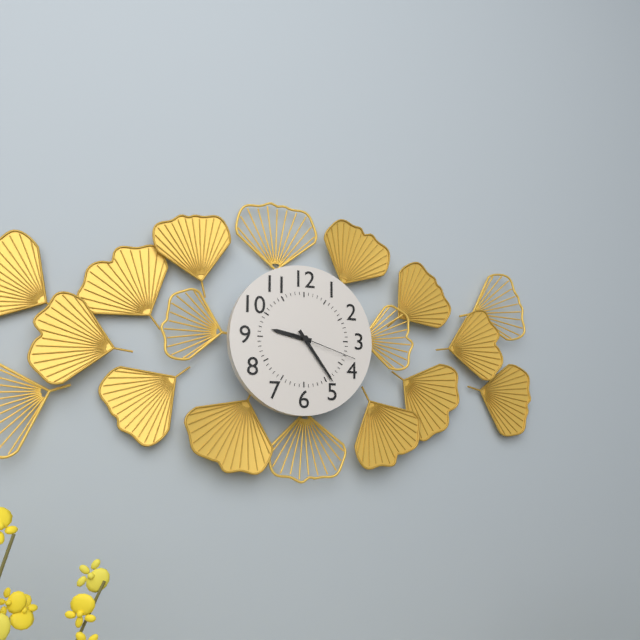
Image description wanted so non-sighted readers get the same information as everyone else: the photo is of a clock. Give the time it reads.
9:24:18
